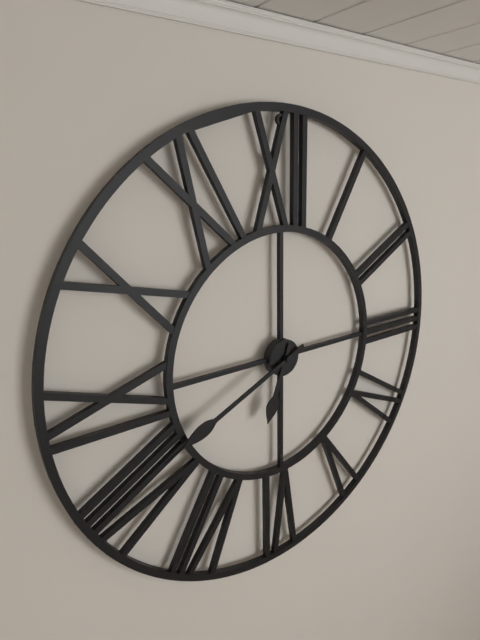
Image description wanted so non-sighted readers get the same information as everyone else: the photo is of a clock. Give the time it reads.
6:41
